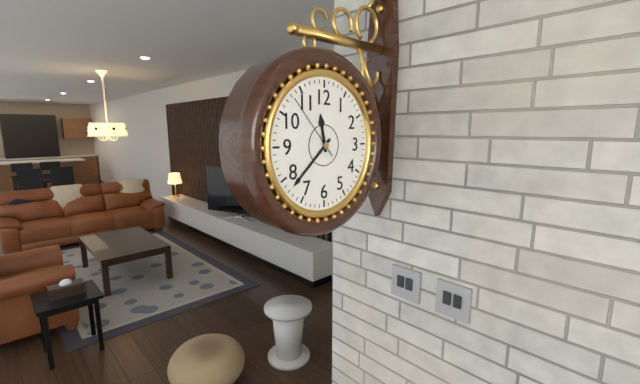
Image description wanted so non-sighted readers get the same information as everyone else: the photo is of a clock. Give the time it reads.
11:38:53
